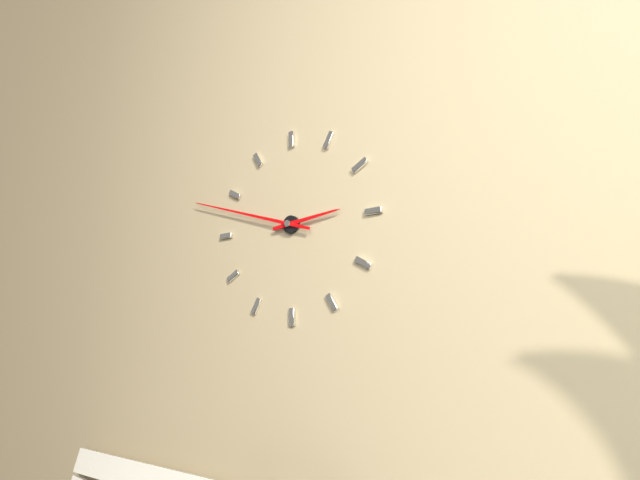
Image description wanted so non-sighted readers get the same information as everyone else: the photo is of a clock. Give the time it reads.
2:48
